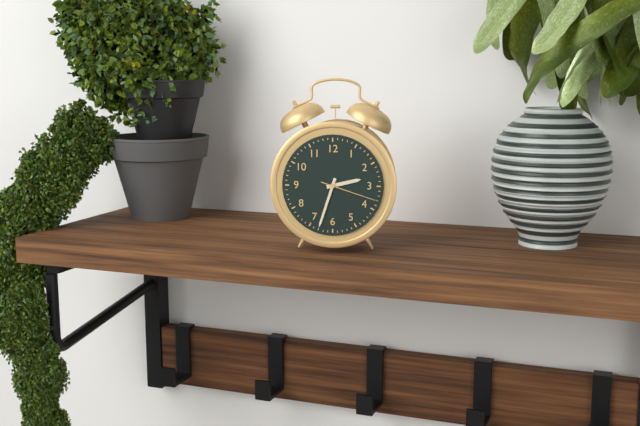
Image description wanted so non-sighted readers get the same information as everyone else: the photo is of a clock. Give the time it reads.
2:33:18
